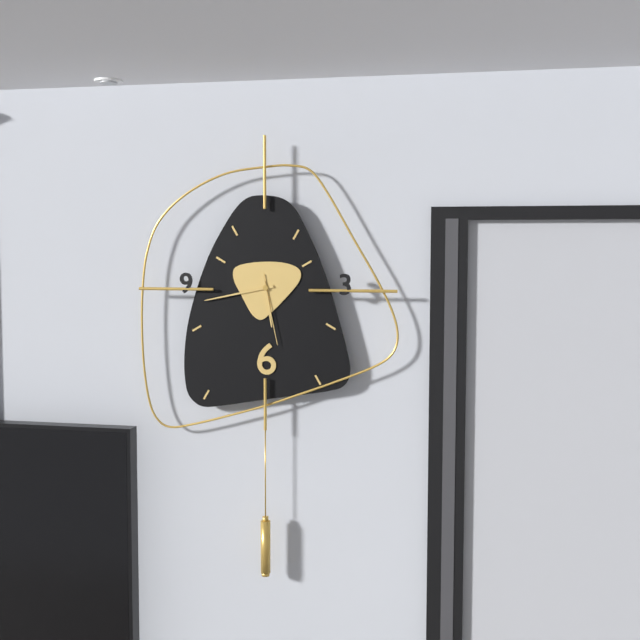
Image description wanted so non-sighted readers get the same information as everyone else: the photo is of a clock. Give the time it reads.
5:43:28
